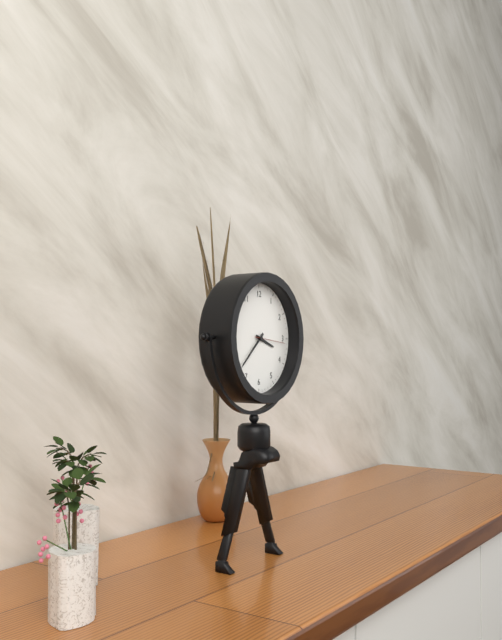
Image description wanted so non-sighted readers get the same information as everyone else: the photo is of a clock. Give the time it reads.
3:38
